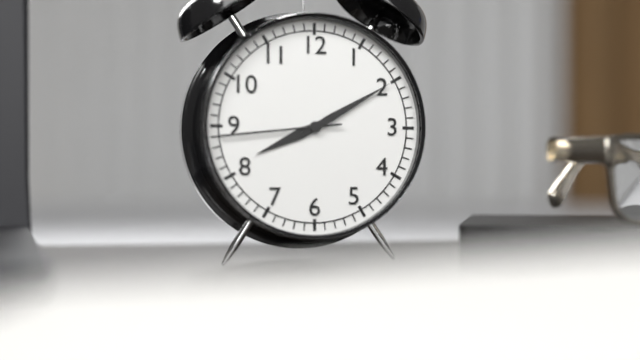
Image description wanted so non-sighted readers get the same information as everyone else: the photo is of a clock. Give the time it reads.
8:10:44
